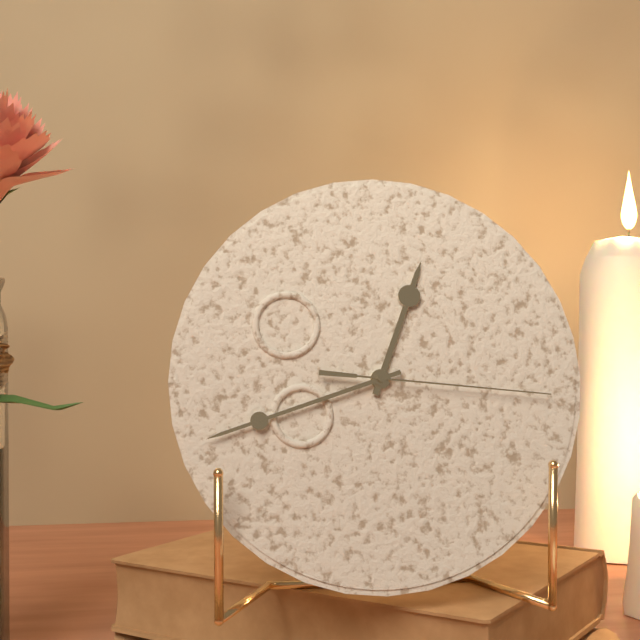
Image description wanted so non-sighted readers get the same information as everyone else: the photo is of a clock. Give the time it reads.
12:42:16
